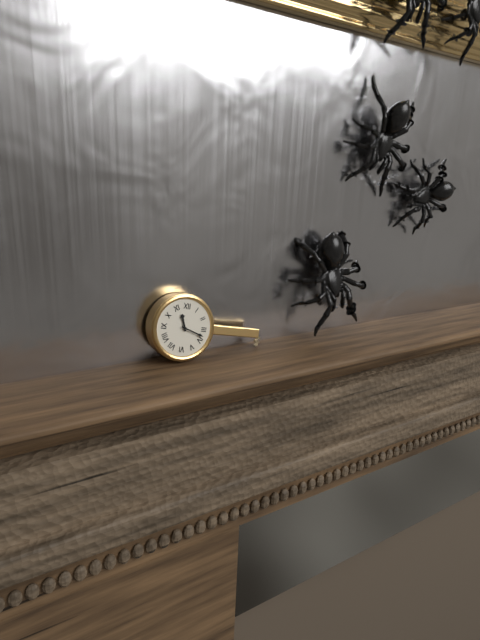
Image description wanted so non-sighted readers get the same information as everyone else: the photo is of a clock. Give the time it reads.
11:18
